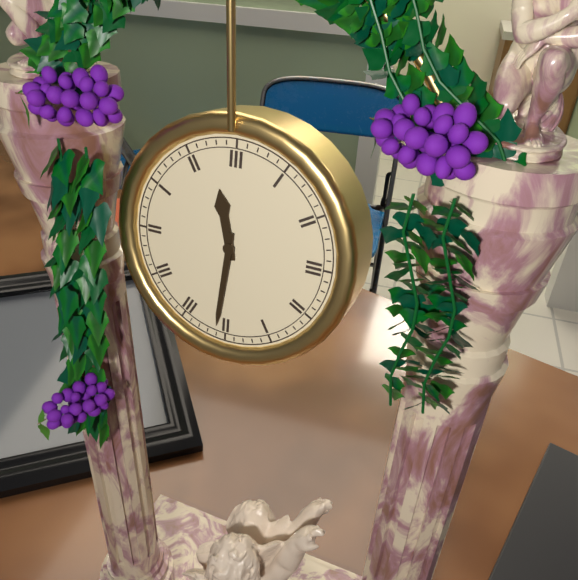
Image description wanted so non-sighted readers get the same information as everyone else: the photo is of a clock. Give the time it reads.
11:31
